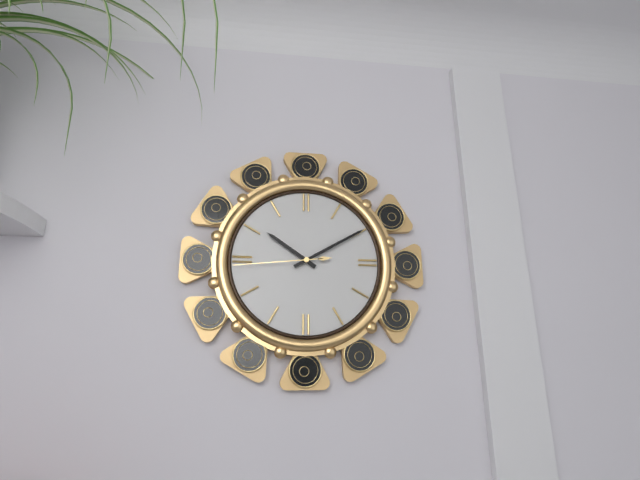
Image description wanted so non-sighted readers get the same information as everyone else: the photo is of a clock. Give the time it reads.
10:10:44
